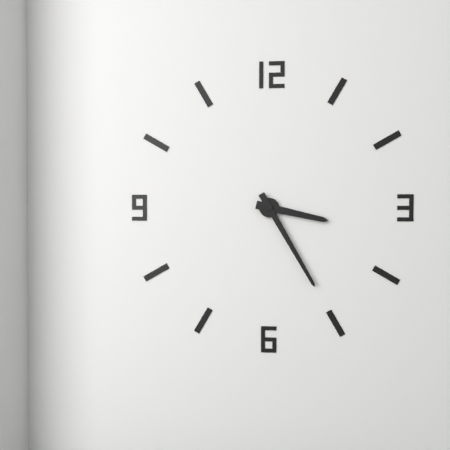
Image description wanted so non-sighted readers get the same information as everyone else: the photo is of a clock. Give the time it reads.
3:25
